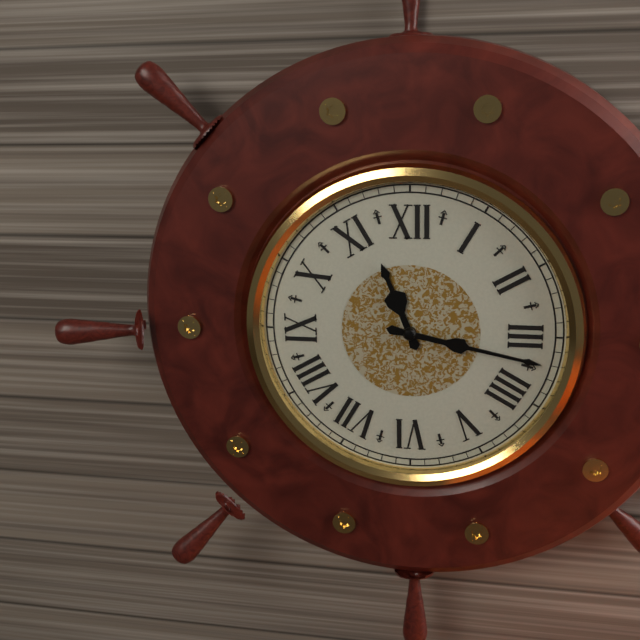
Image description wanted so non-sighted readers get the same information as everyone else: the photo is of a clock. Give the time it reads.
11:17
